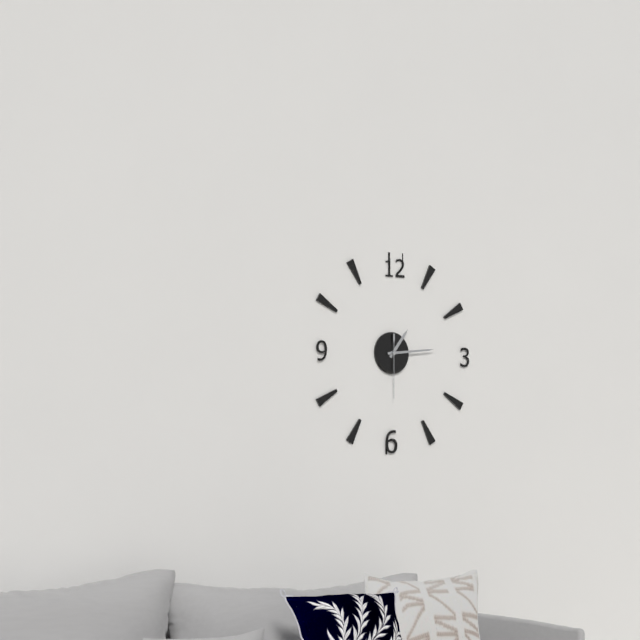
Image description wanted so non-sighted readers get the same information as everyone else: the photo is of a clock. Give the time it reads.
1:14:30
